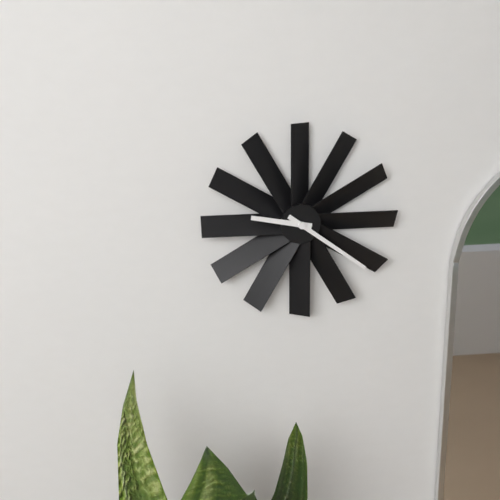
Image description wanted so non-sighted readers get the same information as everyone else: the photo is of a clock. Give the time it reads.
9:21
